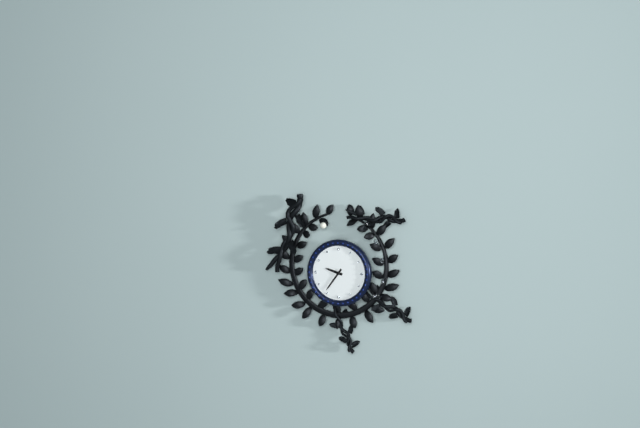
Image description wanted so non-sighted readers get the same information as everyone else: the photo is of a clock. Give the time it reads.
9:36
